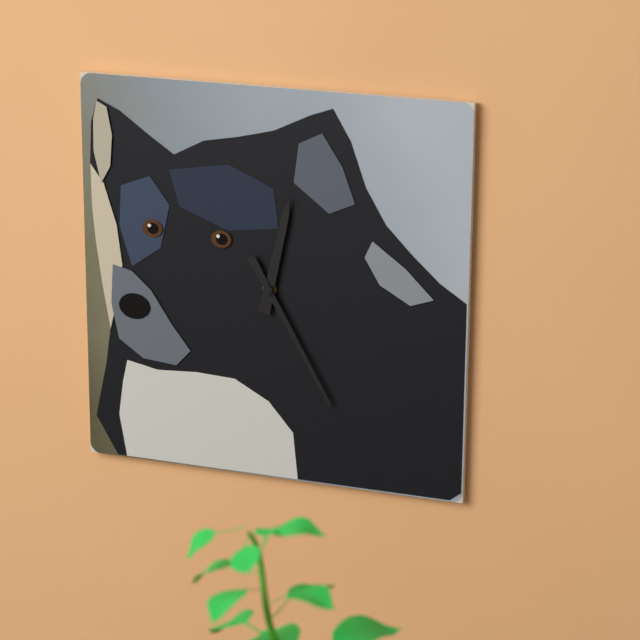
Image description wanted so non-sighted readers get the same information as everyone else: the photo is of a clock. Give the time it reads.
12:25
